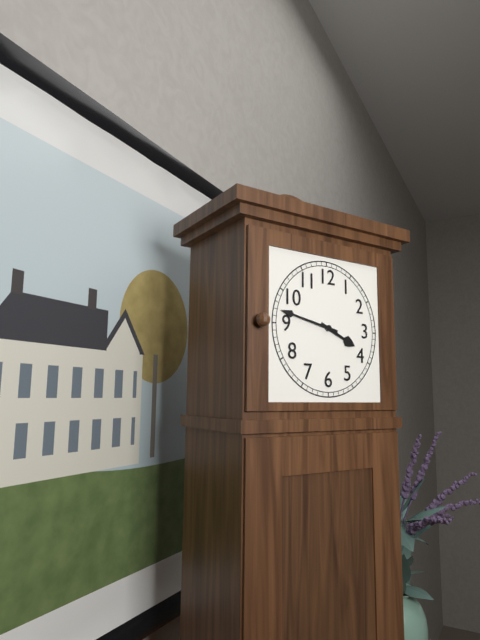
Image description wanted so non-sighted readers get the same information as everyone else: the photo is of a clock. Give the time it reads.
3:47
